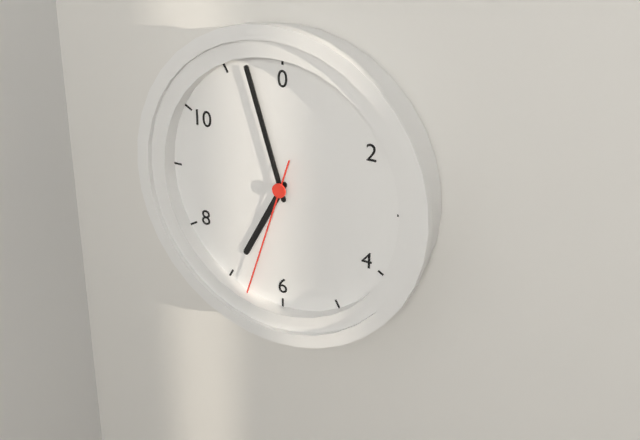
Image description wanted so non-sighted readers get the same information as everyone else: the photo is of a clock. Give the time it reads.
6:57:33
